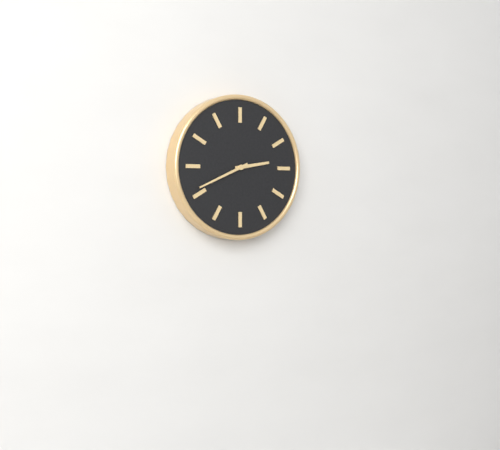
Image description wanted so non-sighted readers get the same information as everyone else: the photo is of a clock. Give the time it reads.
2:41
